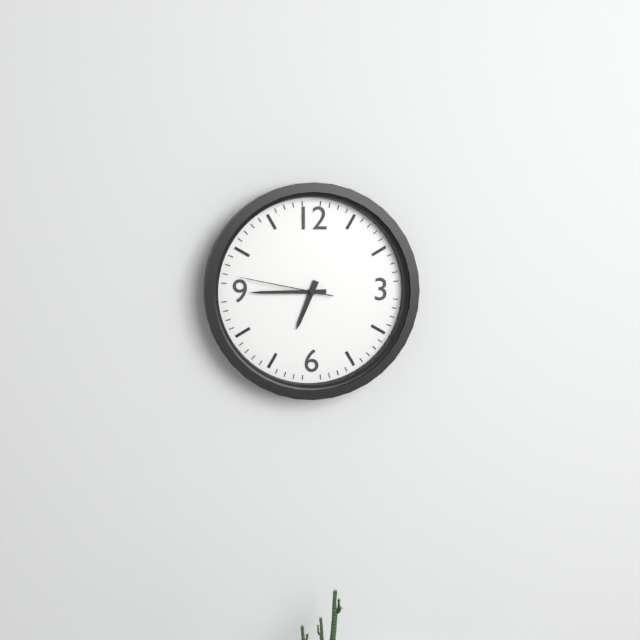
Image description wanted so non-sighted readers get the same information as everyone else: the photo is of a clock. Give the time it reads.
6:45:47
